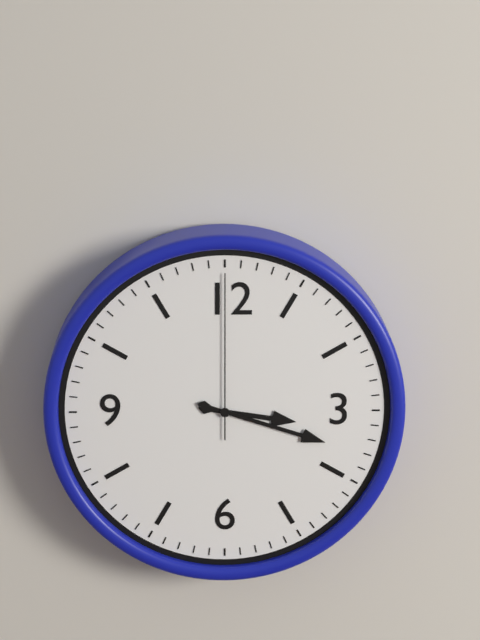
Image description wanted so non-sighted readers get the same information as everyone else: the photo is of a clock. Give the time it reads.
3:18:00
